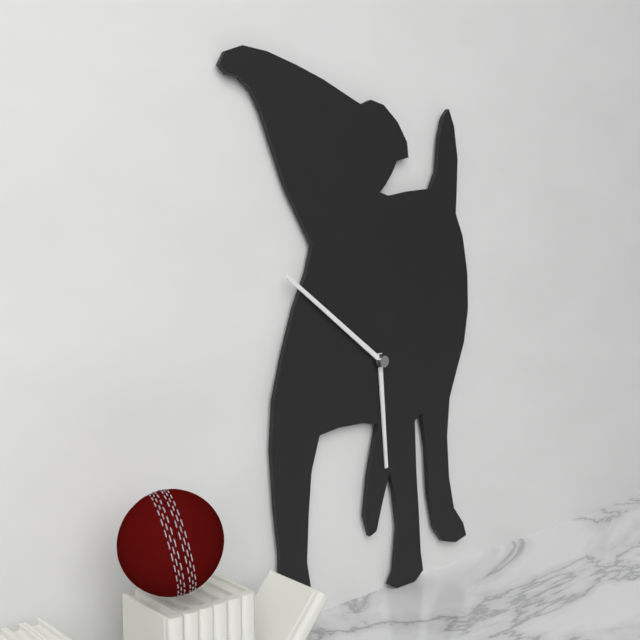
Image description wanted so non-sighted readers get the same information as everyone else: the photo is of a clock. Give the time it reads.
5:51
